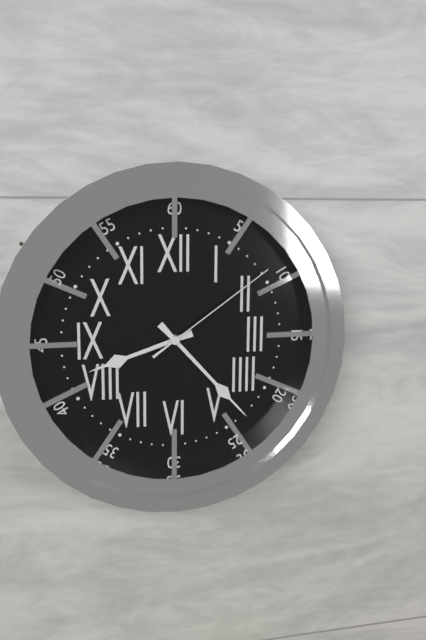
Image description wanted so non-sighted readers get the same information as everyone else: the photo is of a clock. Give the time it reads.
8:23:09
